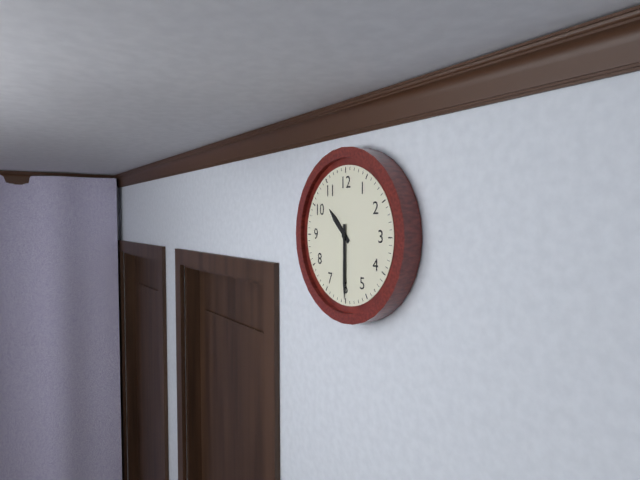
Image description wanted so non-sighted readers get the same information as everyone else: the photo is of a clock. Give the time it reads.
10:30
